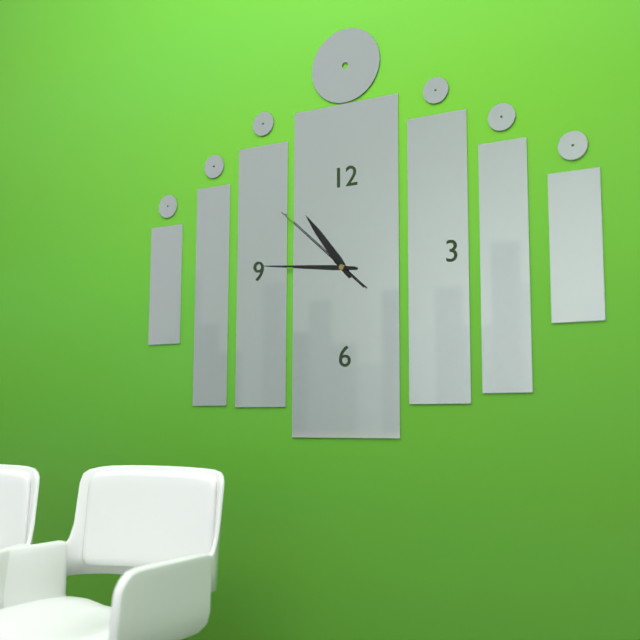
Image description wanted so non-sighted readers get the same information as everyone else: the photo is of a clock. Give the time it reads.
10:46:52
